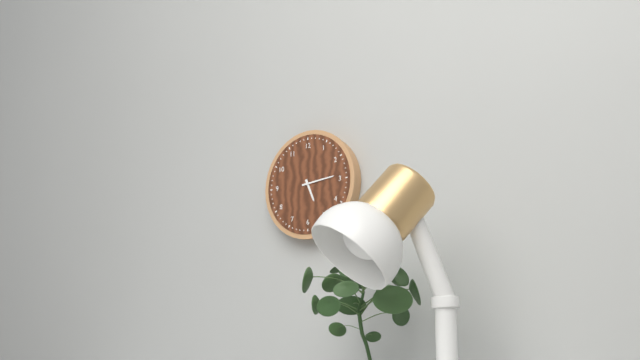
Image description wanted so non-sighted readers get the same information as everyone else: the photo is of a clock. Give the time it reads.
5:14
